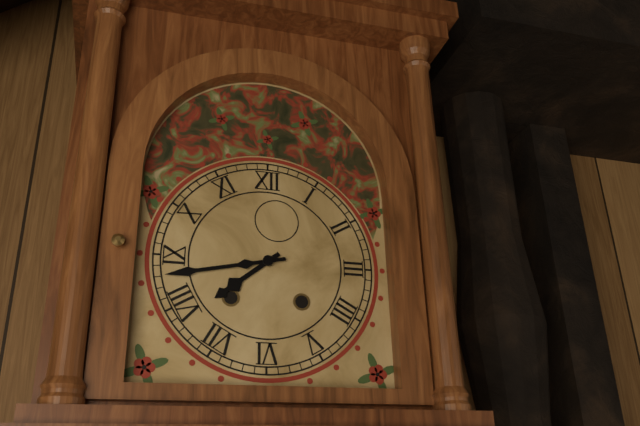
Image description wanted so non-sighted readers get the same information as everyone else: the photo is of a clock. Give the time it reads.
7:43
